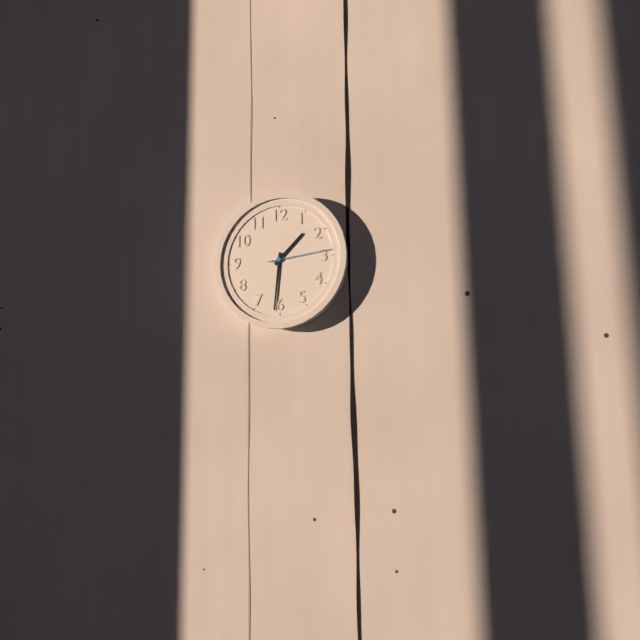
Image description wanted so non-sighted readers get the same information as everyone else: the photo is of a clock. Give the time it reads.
1:31:14
